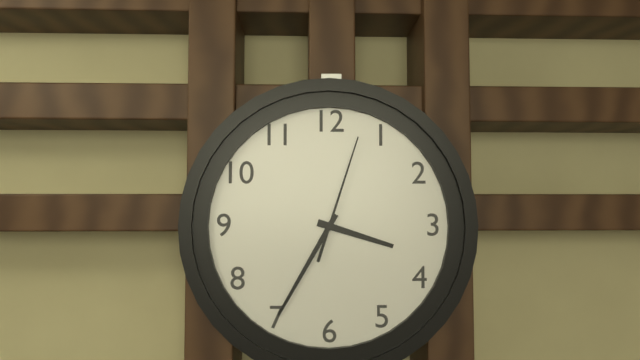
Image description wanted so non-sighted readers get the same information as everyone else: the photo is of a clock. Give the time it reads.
3:35:03
